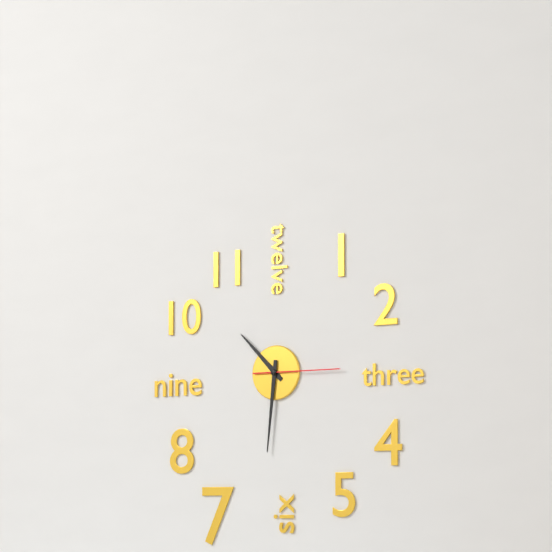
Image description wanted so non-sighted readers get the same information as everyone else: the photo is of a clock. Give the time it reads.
10:31:15
